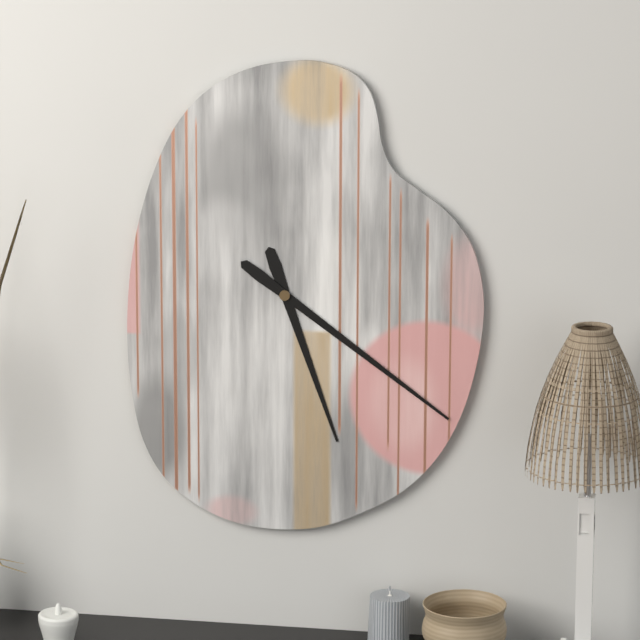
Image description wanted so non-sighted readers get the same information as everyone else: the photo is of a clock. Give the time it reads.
5:21
